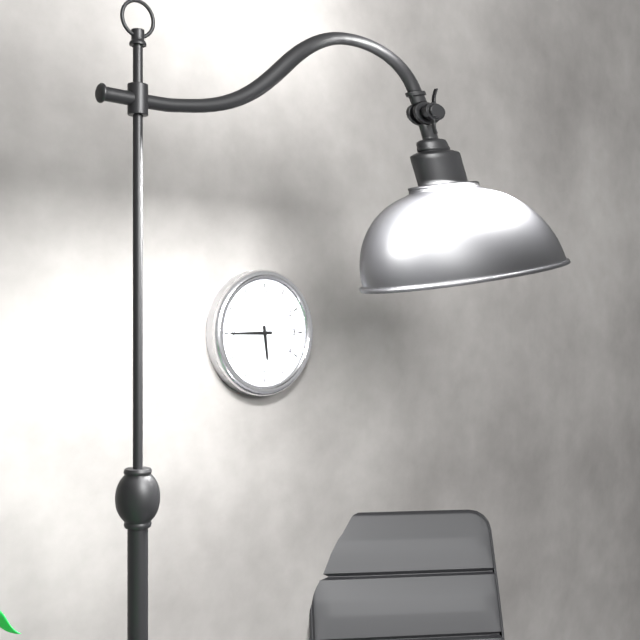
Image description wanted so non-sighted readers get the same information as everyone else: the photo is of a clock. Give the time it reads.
5:45
